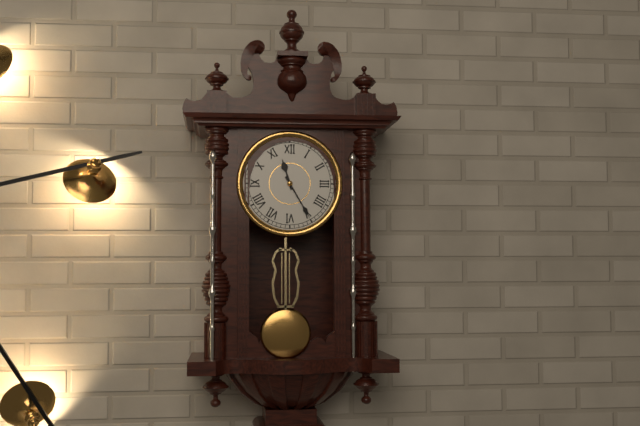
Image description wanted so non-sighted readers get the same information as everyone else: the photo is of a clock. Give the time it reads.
11:25
